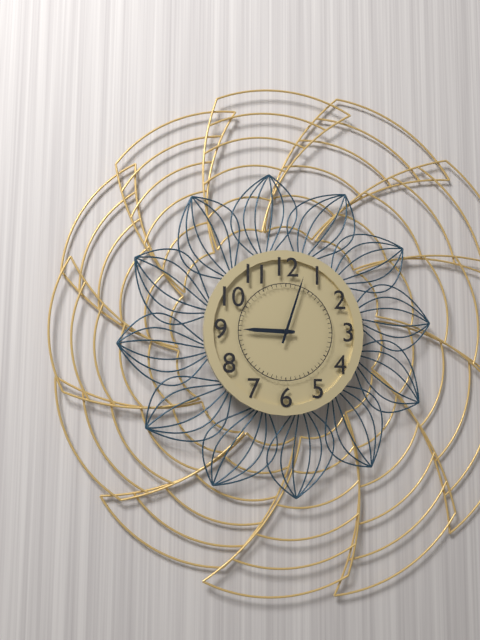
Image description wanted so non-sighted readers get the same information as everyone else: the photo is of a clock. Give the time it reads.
9:03
